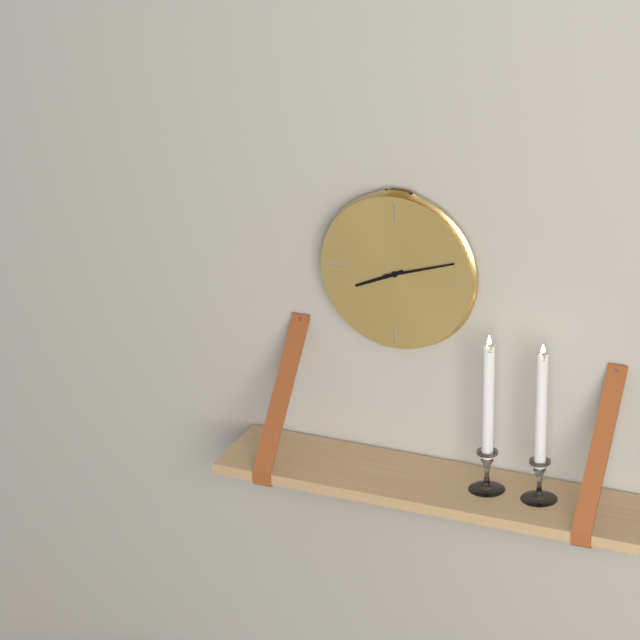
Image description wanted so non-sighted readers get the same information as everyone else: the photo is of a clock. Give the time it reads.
8:12
